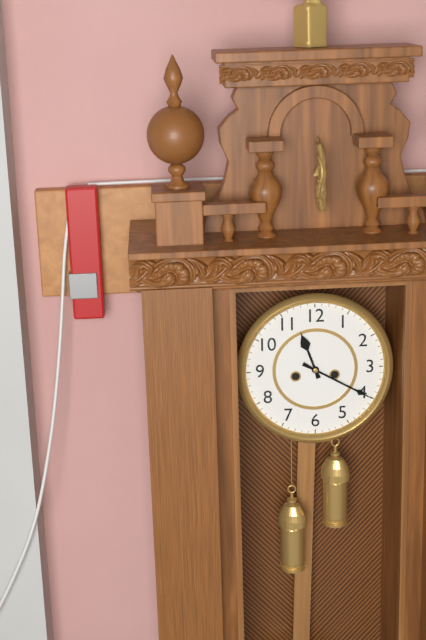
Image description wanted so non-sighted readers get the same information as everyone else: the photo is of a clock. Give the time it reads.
11:20
